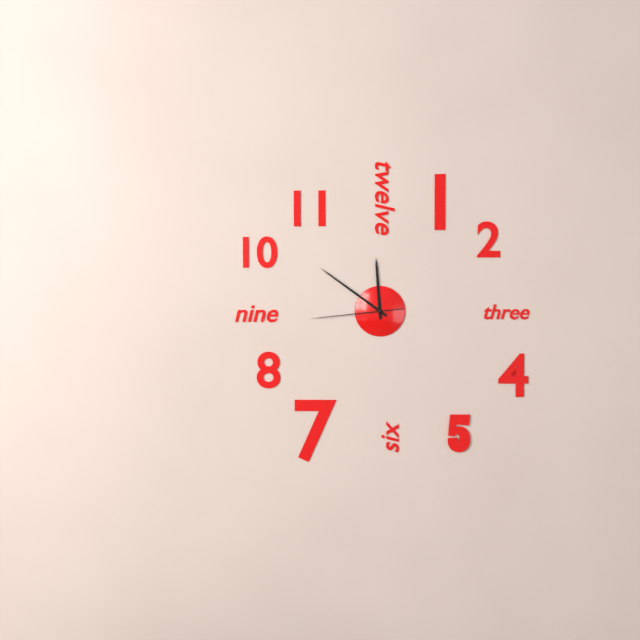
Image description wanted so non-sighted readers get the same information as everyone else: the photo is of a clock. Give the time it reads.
11:51:44
